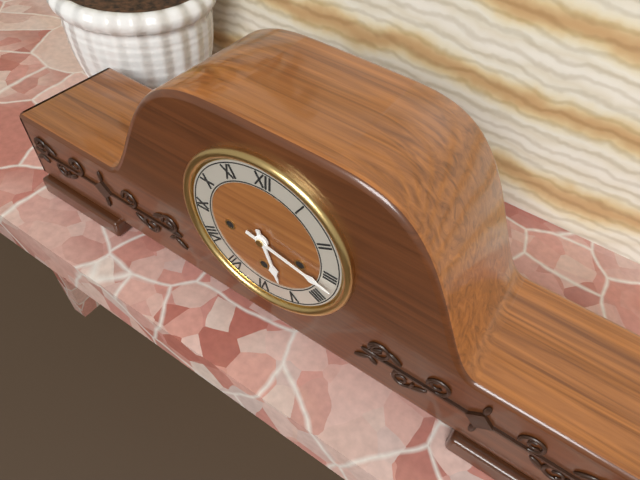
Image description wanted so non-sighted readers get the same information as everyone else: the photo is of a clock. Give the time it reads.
5:17
